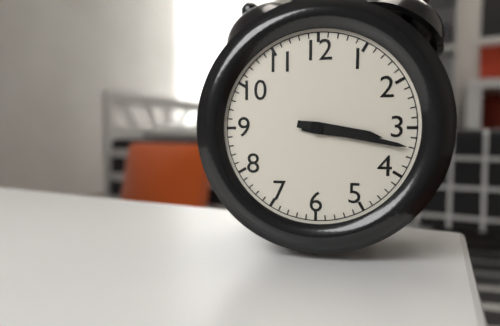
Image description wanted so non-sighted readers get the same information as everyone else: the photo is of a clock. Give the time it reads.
3:17
